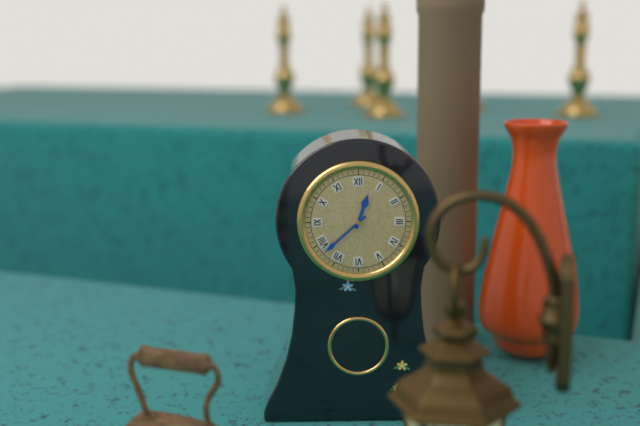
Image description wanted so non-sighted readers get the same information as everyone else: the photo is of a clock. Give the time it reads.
12:38
